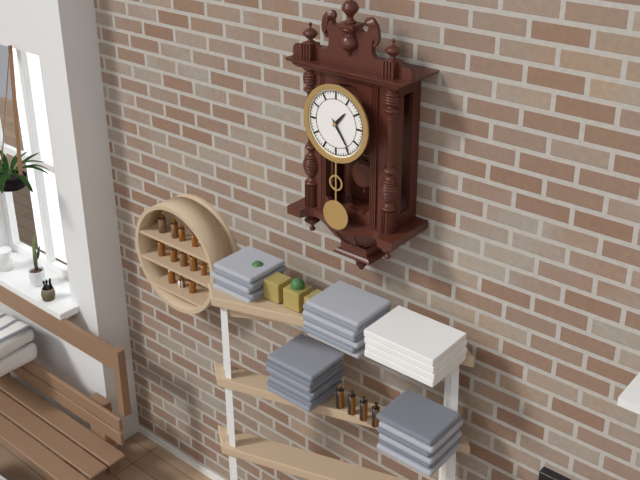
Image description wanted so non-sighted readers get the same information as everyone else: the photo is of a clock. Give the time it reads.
1:24
